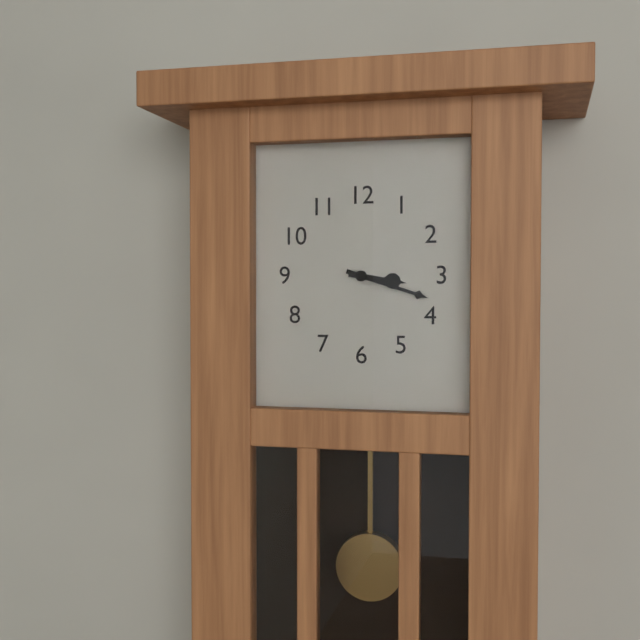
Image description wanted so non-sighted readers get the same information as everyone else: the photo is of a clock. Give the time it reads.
3:18
